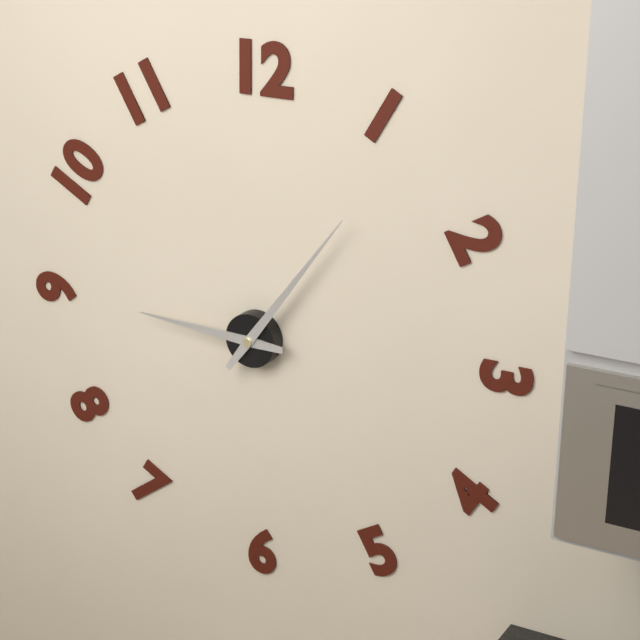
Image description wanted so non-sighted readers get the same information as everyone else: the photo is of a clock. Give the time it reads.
9:06
